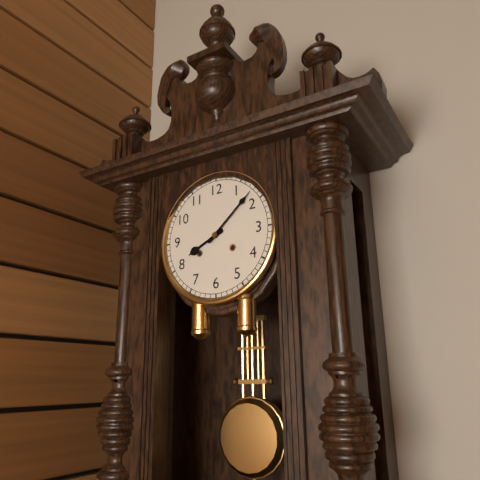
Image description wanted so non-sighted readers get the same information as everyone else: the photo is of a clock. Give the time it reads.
8:08
